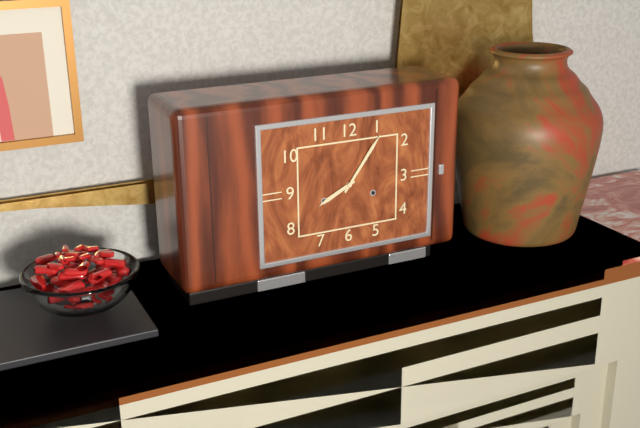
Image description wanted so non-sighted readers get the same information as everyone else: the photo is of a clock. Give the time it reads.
8:06
